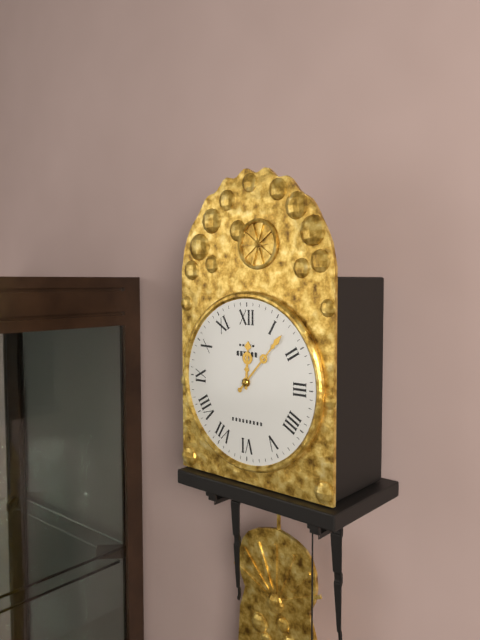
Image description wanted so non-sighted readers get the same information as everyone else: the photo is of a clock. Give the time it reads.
12:07
